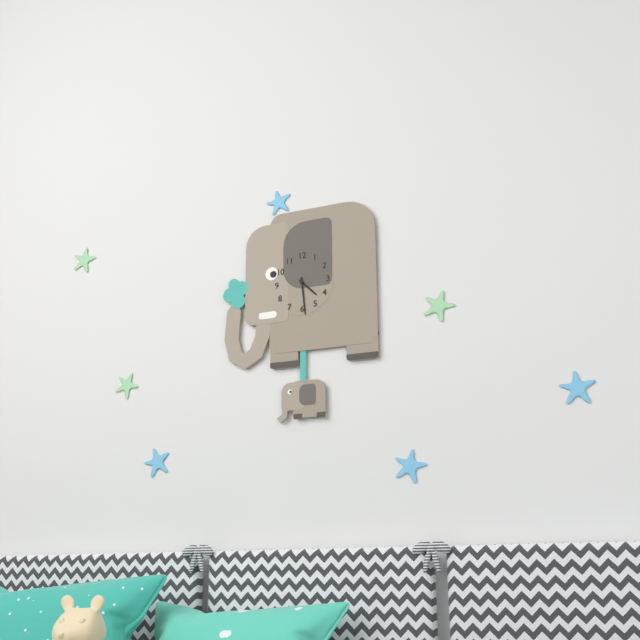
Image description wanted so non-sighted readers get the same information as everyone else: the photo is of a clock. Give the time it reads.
4:29
